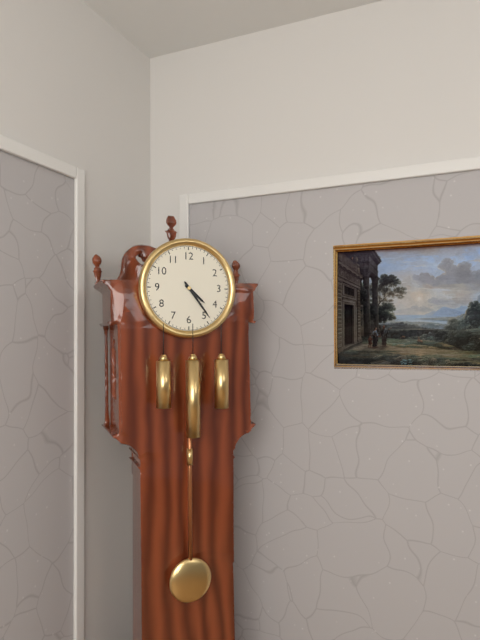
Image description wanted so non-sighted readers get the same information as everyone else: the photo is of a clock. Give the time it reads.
4:24
